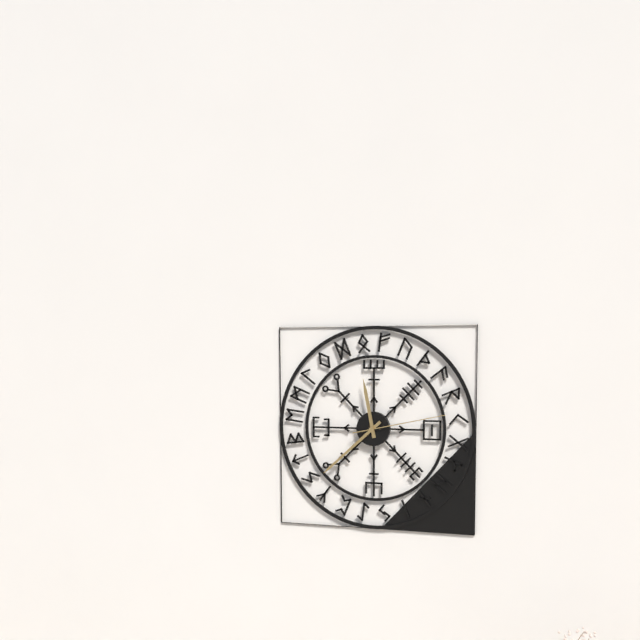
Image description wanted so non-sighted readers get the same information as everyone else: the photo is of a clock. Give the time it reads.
11:38:13
